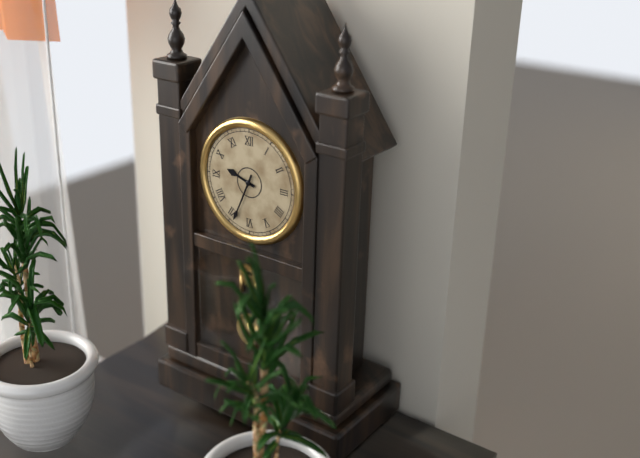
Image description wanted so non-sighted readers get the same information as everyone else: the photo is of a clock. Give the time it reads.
9:34
